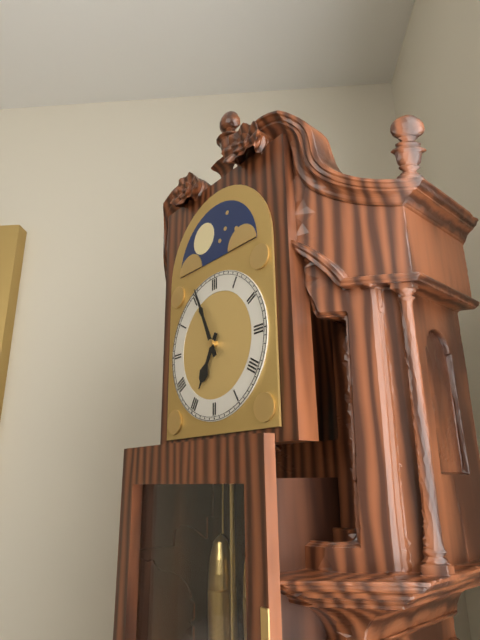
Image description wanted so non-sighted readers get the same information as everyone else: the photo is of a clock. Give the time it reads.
6:56
